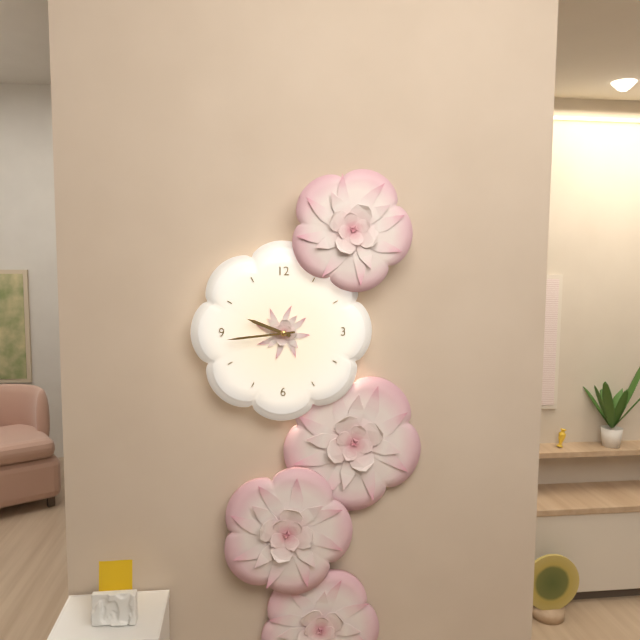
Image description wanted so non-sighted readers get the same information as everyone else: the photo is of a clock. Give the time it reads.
9:44
